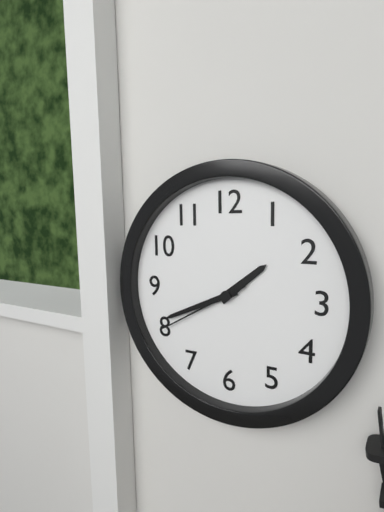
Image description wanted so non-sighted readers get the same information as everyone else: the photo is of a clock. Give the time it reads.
1:41:40
